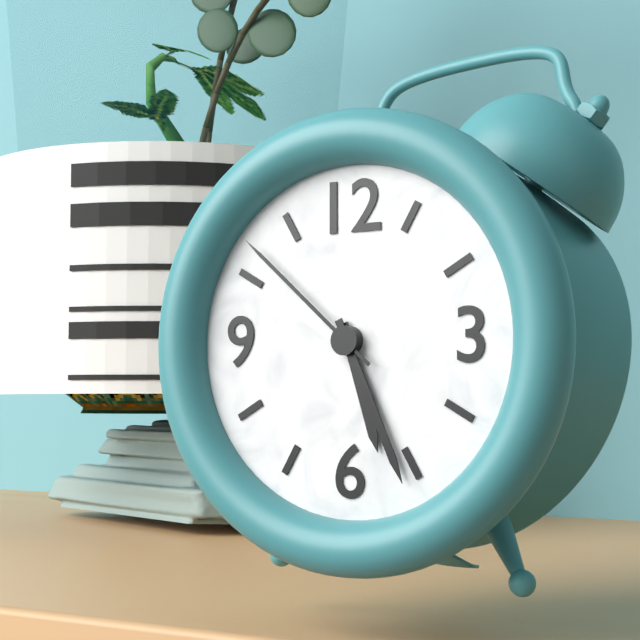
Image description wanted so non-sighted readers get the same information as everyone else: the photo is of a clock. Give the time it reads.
5:26:52
